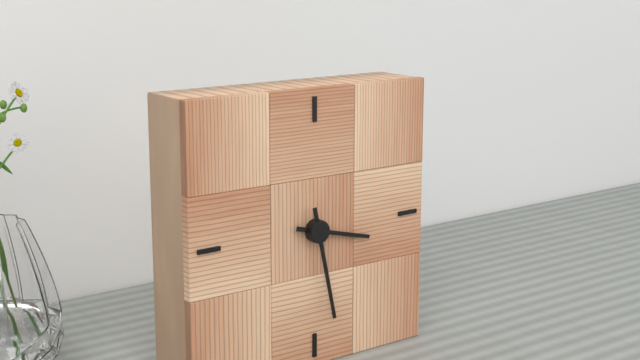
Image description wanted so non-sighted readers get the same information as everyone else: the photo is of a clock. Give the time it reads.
3:28
